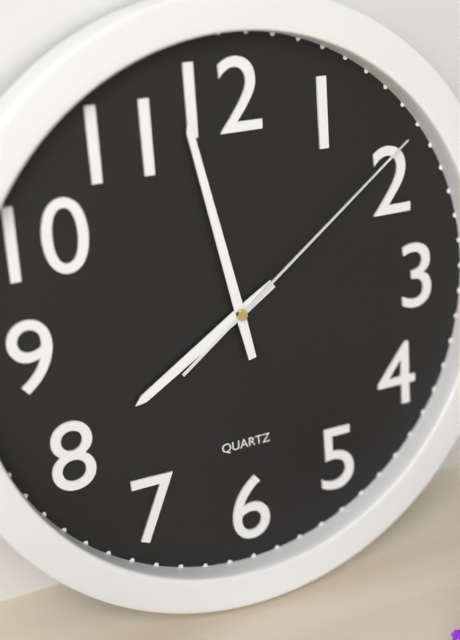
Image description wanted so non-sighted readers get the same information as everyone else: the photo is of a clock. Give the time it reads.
7:58:09
